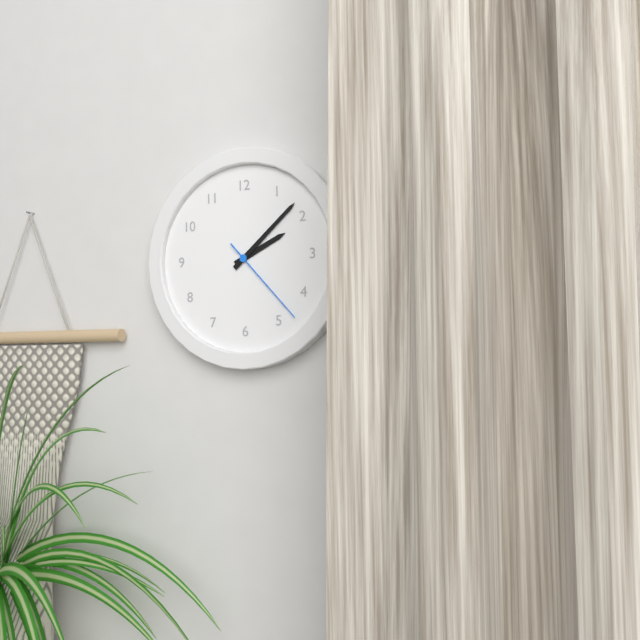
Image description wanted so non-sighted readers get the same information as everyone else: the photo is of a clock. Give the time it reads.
2:08:23
